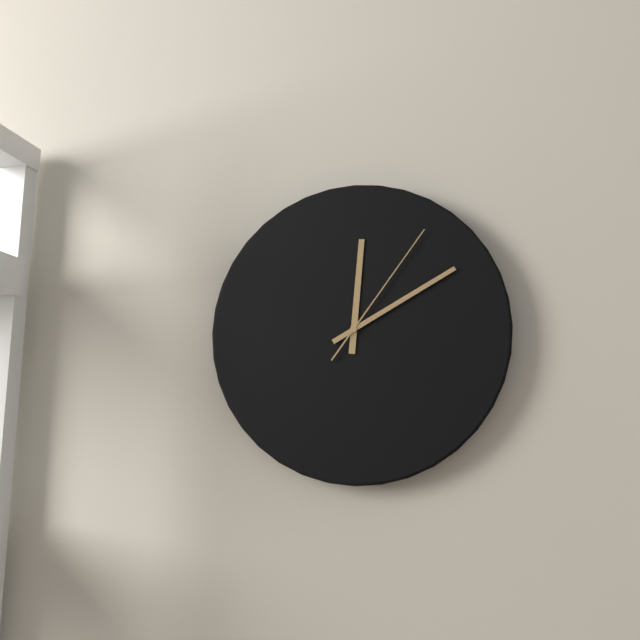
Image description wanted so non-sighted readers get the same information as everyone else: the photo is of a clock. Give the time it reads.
12:10:06
